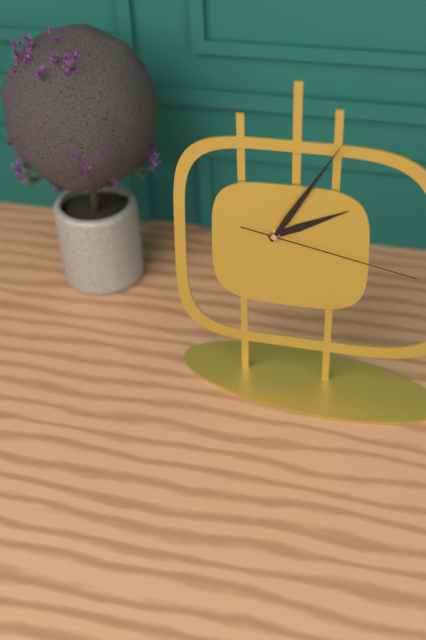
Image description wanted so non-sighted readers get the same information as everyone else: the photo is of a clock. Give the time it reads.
2:05:17
